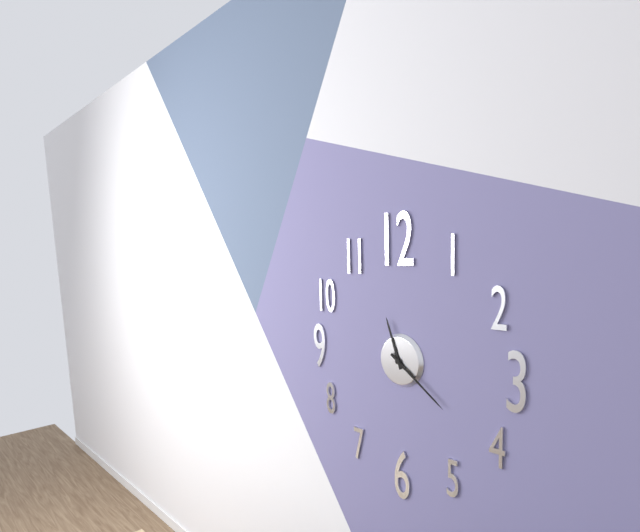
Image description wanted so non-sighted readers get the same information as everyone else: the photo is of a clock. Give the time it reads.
11:21
